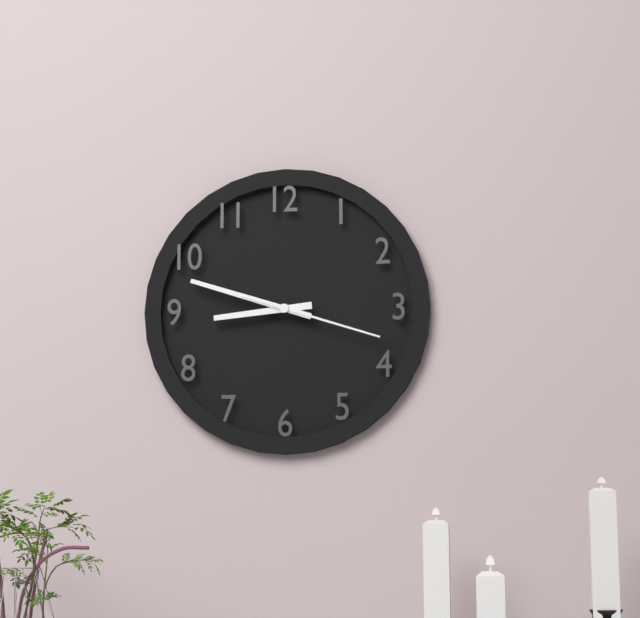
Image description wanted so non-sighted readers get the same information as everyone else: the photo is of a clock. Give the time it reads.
8:48:18
